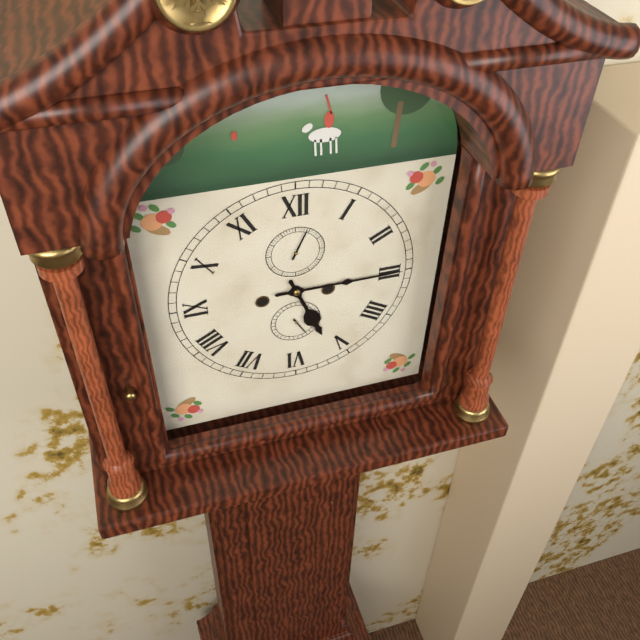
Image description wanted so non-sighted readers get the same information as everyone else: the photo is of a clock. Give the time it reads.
5:15
